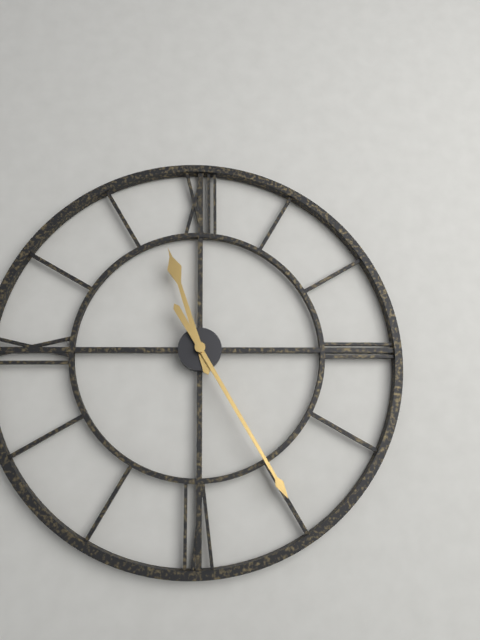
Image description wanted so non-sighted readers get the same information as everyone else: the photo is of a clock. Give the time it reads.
11:25
